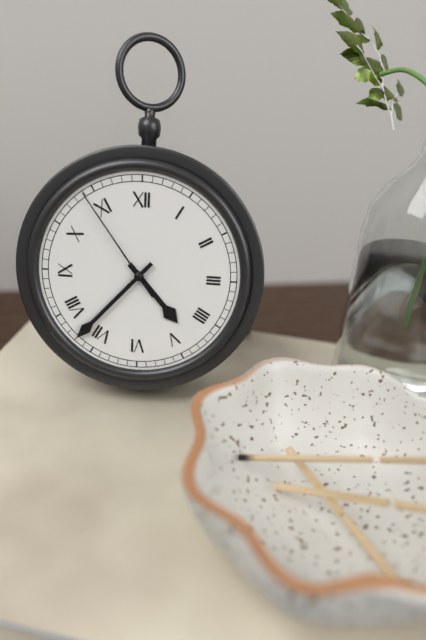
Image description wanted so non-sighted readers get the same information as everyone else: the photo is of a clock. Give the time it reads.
4:37:54
